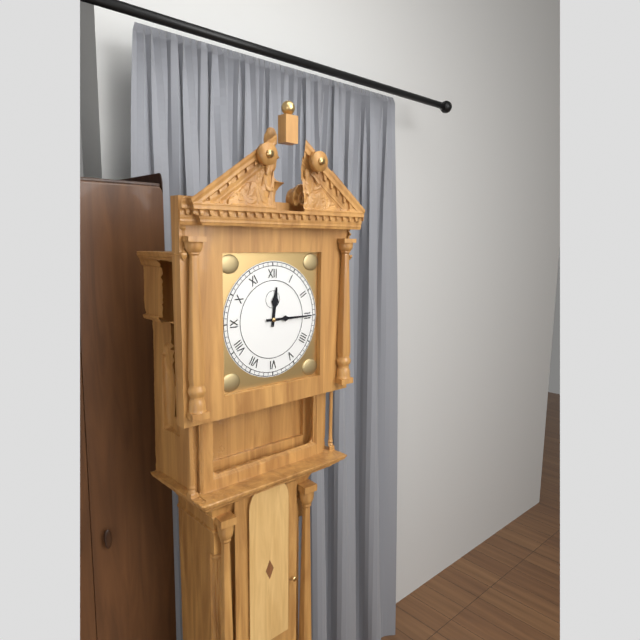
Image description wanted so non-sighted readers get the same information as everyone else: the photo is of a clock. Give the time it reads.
12:15
